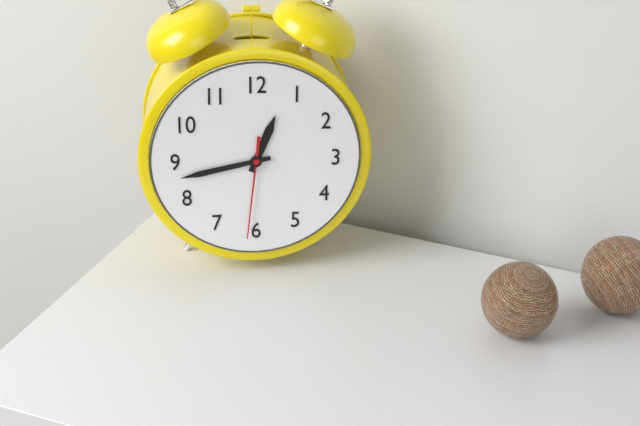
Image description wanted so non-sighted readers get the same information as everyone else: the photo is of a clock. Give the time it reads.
12:43:31
